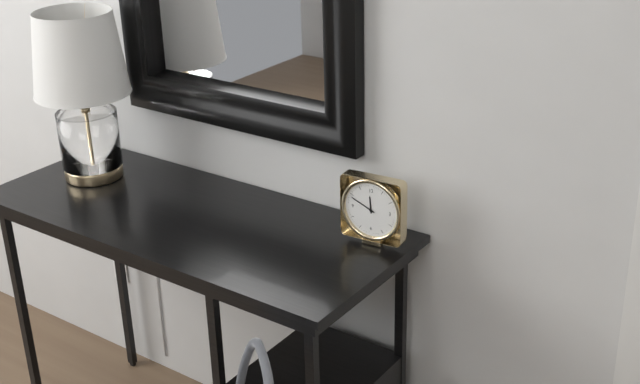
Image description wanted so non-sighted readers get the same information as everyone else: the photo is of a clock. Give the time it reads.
11:49
